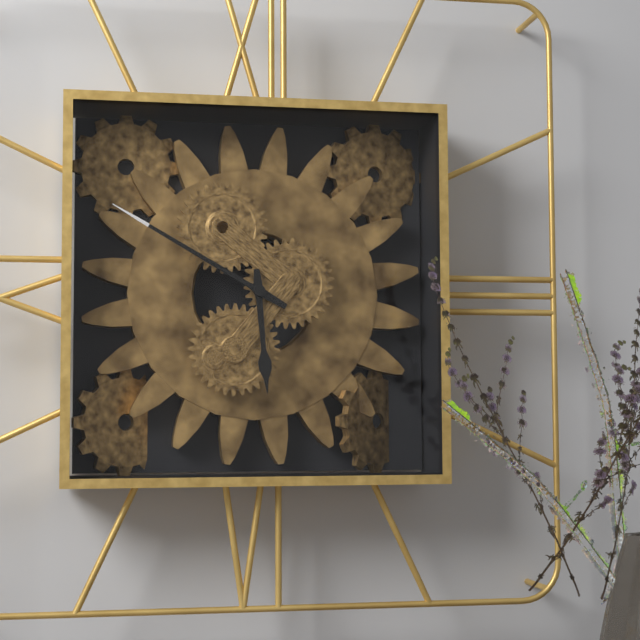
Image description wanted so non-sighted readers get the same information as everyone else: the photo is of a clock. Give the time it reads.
5:50
